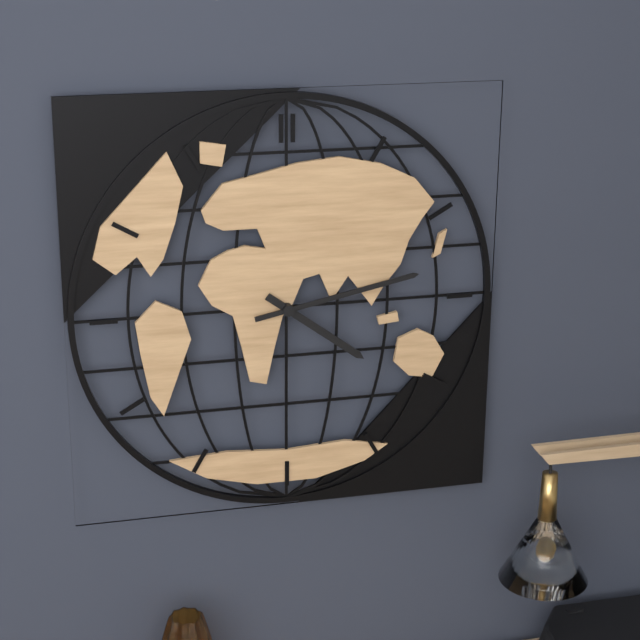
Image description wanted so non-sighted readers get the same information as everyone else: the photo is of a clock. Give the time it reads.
4:13
